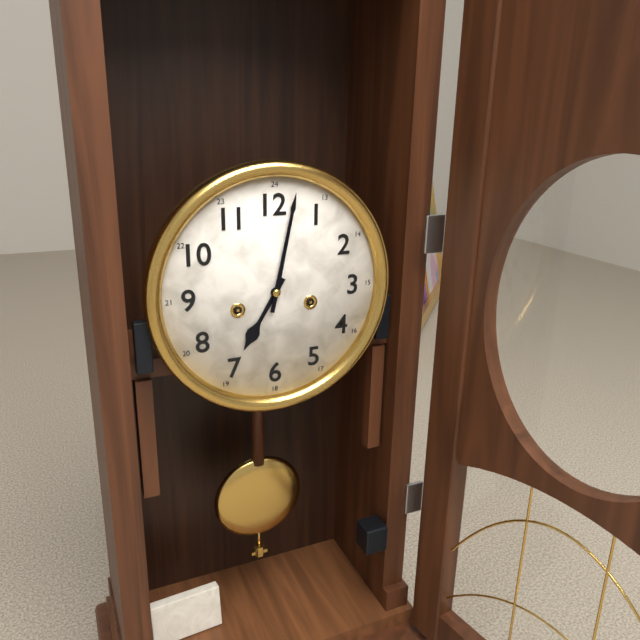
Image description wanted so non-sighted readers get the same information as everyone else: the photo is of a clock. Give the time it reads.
7:02
